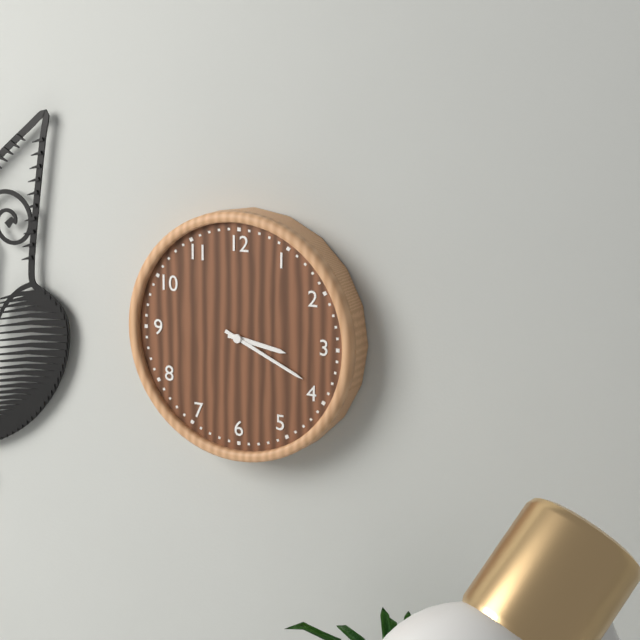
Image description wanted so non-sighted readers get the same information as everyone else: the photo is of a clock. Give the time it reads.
3:19
